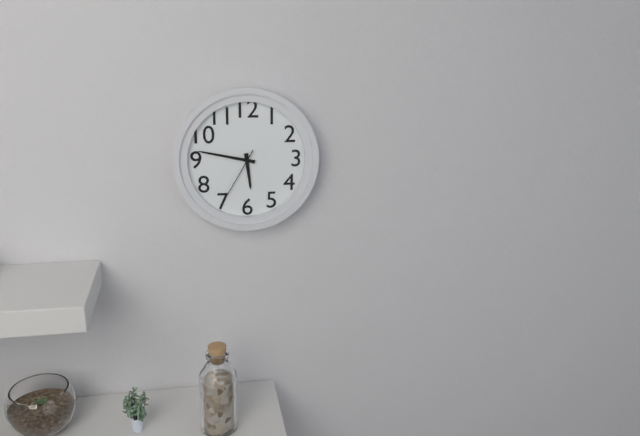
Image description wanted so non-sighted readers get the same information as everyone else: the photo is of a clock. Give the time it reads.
5:47:35
